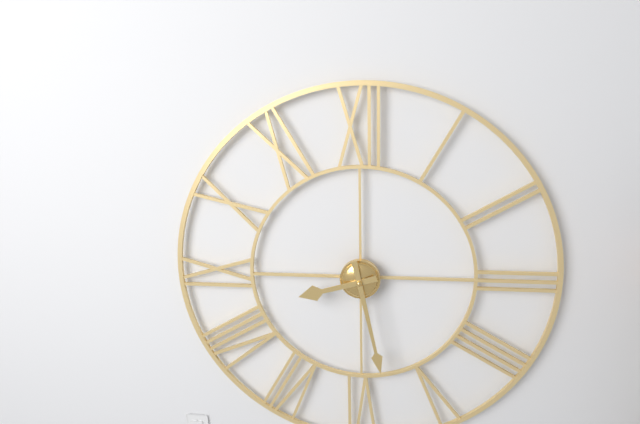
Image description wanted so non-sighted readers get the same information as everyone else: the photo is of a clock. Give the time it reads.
8:28
